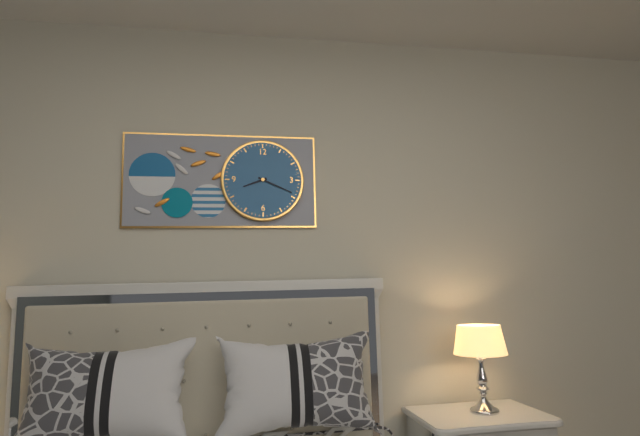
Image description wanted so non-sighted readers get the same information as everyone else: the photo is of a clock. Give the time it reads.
8:19
